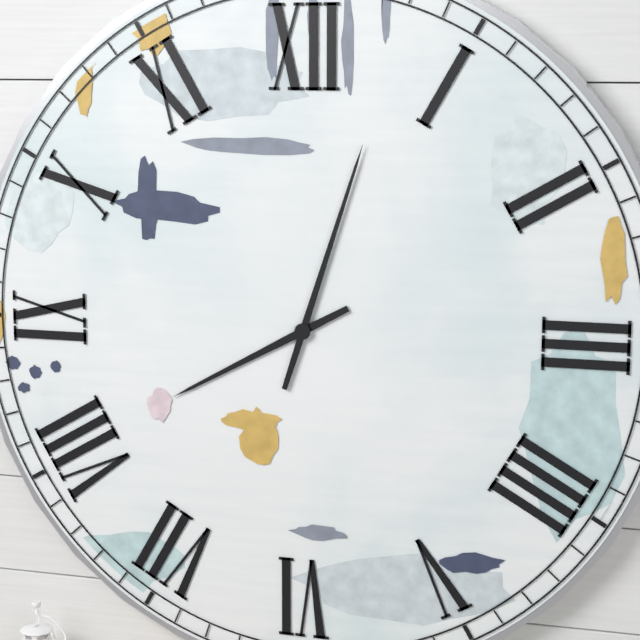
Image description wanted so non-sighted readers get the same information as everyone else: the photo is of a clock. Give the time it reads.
8:03
